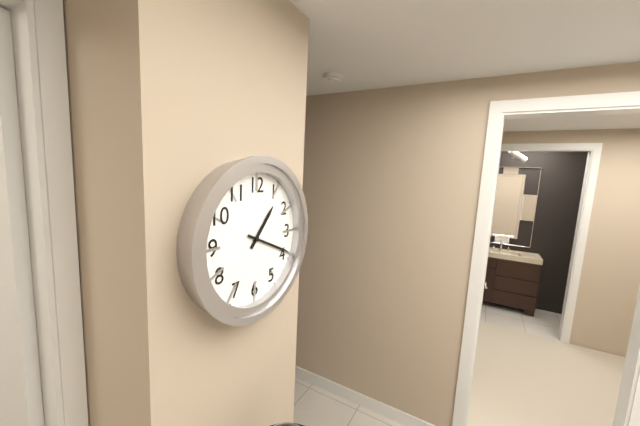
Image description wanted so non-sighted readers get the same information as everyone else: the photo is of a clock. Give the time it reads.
1:19
